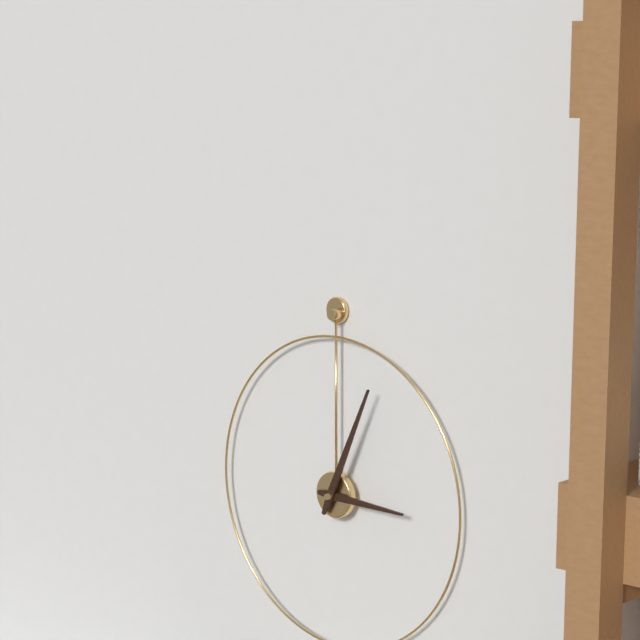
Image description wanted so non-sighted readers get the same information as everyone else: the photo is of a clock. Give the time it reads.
3:04
